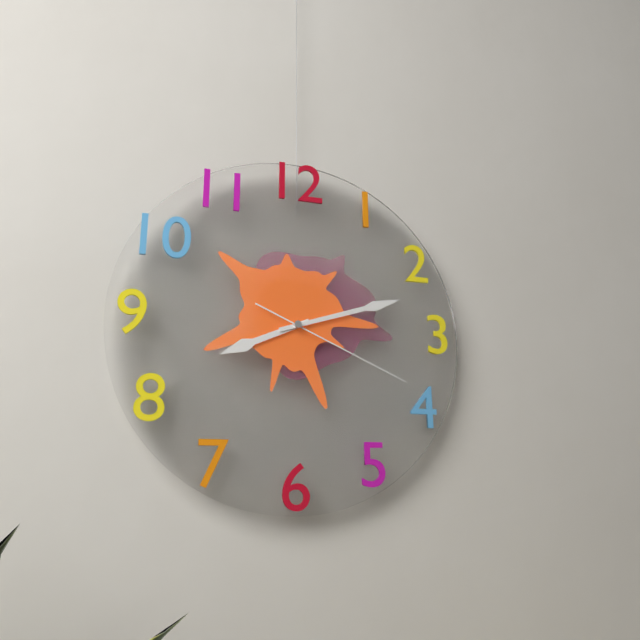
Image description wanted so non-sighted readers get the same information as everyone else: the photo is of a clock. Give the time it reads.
8:12:19
